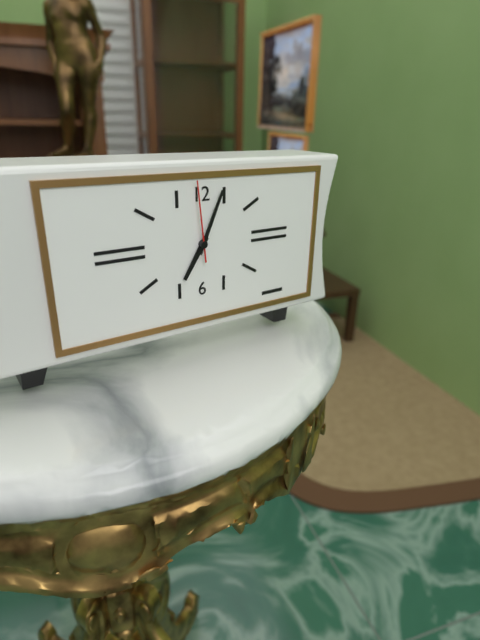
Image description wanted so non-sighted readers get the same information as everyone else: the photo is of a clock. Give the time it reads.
7:04:59
